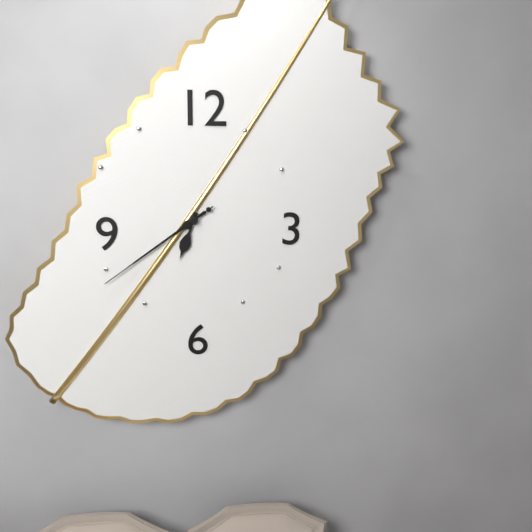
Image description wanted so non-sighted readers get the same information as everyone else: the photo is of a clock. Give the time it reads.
6:39:39
